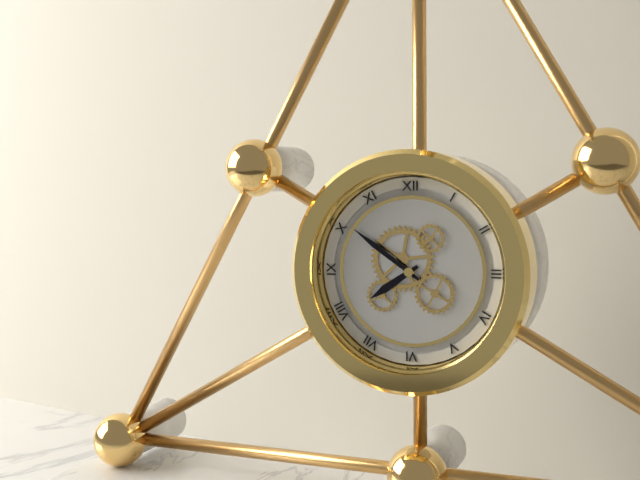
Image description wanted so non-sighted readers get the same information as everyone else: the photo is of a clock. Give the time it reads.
7:51
